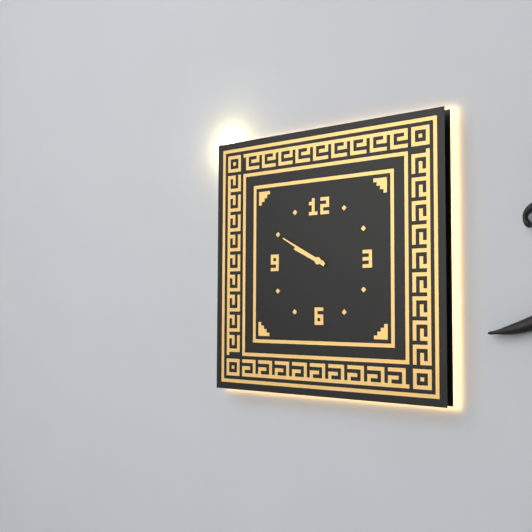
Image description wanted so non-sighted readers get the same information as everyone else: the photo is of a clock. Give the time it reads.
9:50
